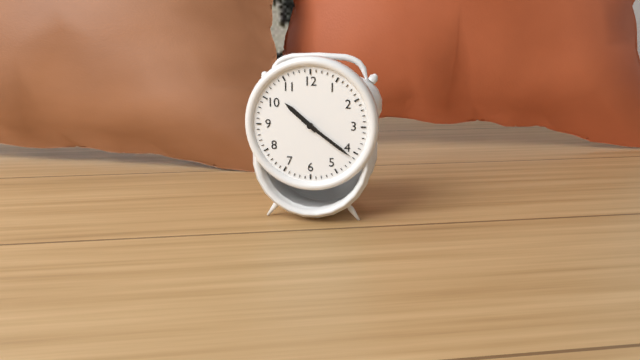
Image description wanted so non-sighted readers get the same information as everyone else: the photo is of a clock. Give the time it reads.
10:21
